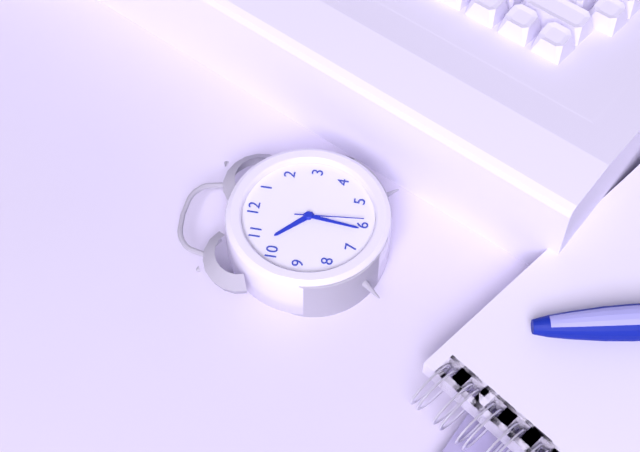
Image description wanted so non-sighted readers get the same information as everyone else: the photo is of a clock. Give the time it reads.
10:31:29
